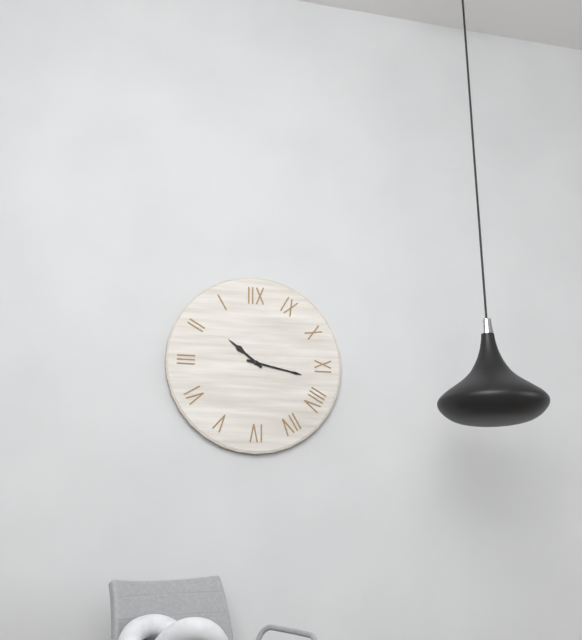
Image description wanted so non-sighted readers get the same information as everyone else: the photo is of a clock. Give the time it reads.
10:17
